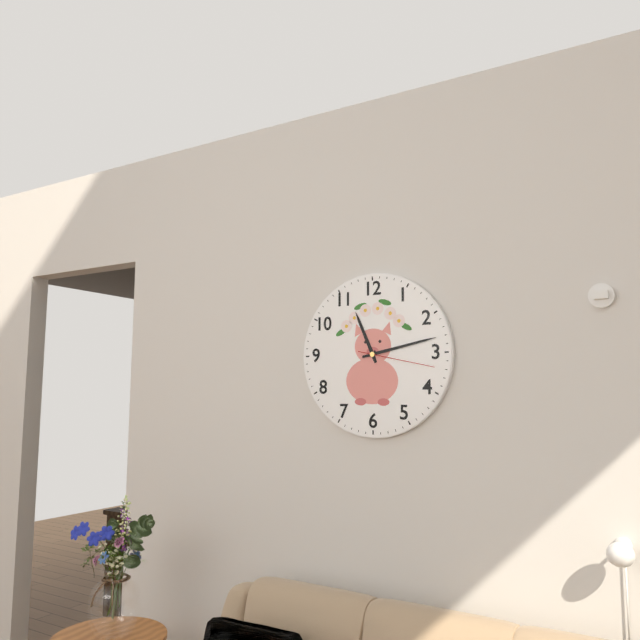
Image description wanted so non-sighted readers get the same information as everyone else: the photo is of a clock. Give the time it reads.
11:13:17
